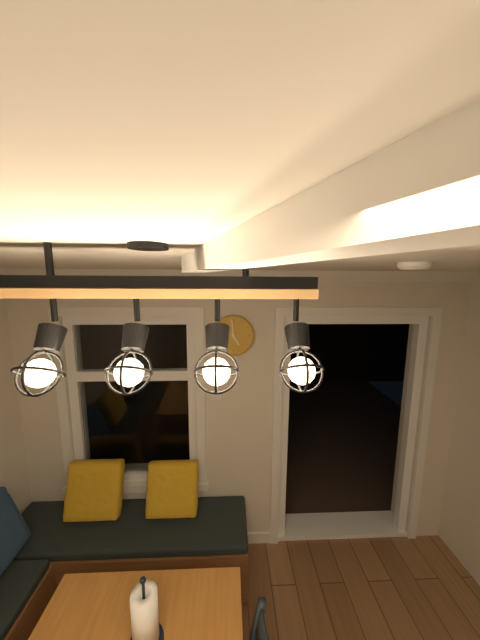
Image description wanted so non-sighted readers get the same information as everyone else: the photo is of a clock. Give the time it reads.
4:59
